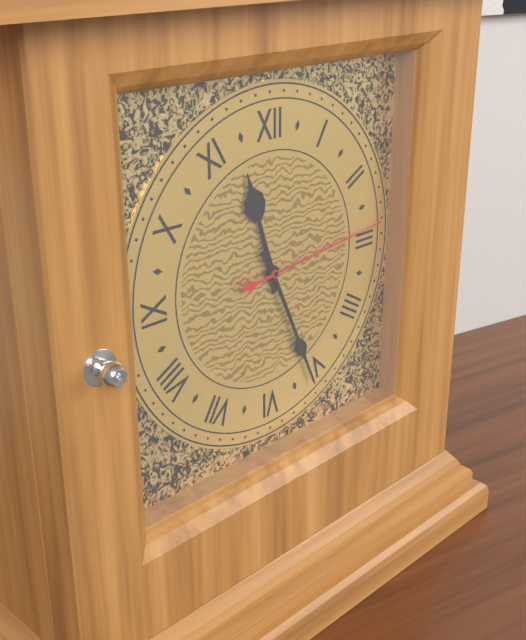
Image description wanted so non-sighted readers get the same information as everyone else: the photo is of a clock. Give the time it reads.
11:26:14
